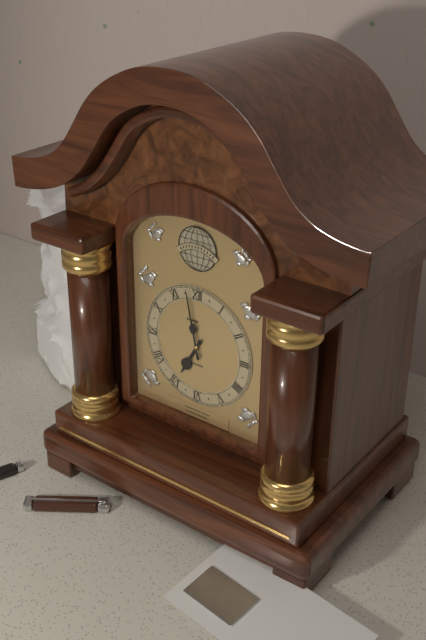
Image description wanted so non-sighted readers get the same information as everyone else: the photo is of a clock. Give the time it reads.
6:58
